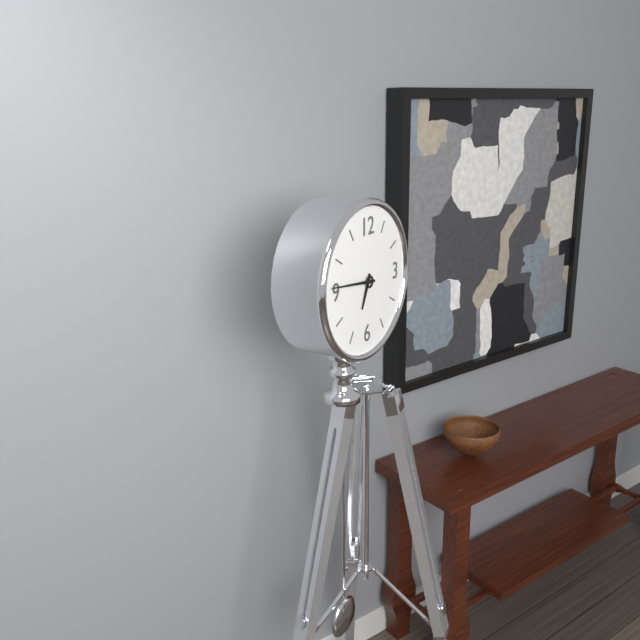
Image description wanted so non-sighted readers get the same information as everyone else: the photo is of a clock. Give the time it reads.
6:46
